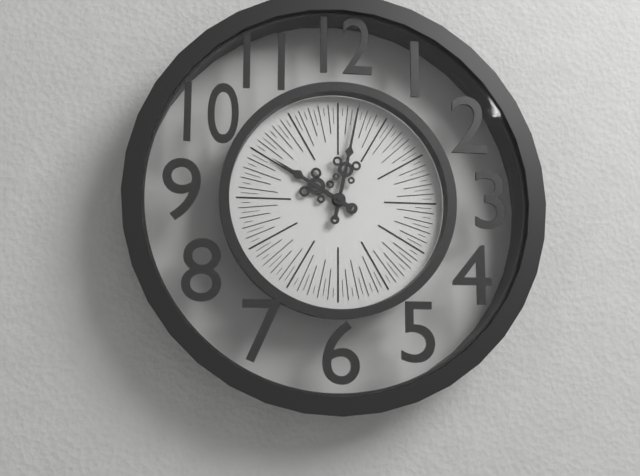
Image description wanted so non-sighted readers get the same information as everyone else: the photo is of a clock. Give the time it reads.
10:02
